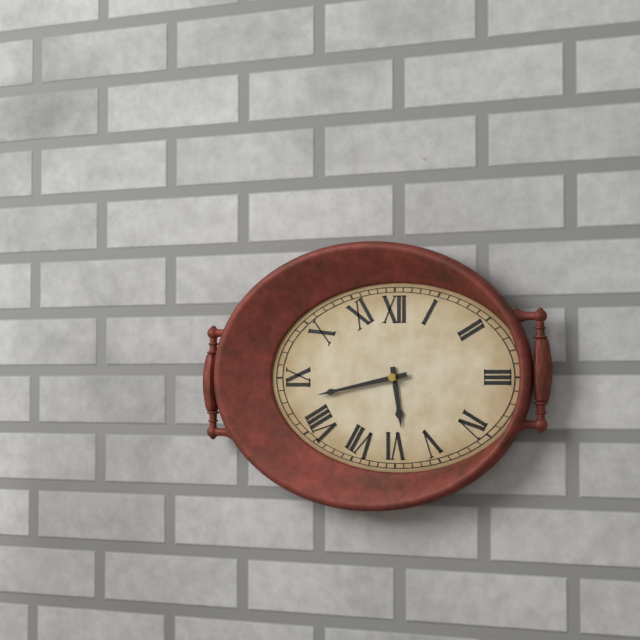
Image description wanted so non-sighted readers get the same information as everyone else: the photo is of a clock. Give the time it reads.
5:43
